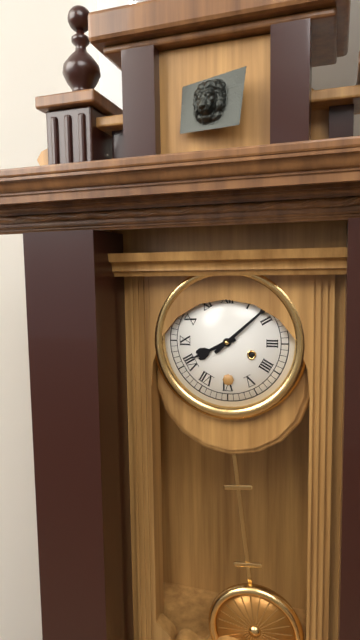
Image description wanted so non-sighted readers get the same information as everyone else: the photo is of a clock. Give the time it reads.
8:08
